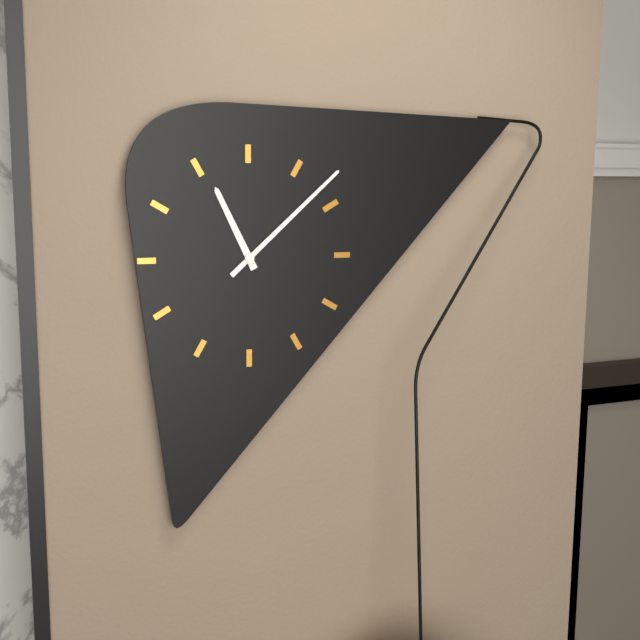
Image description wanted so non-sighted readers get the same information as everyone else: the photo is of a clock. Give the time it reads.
11:08
